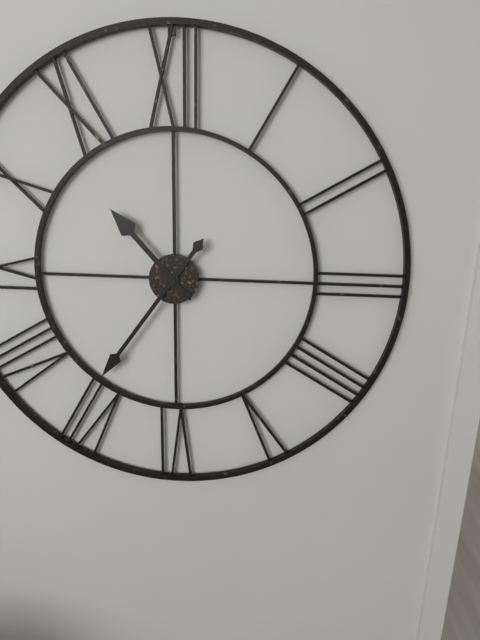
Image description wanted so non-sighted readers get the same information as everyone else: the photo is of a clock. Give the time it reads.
10:36
